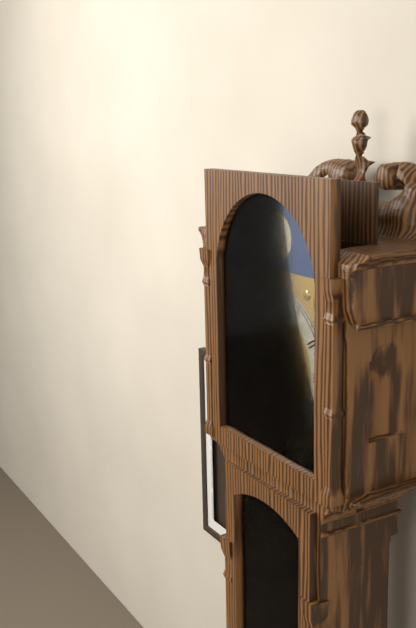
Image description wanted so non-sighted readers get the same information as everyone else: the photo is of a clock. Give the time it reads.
9:26
